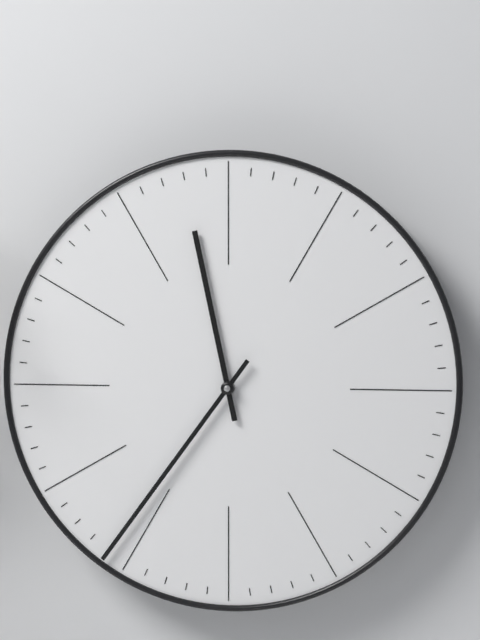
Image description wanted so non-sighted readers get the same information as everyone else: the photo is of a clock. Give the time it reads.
11:36
